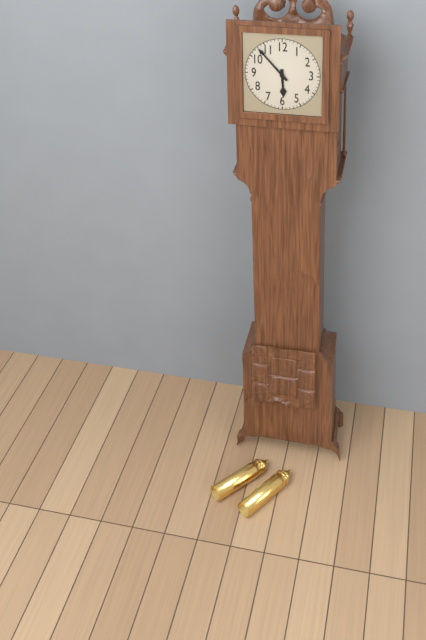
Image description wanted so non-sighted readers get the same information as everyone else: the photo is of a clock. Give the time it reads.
5:53
